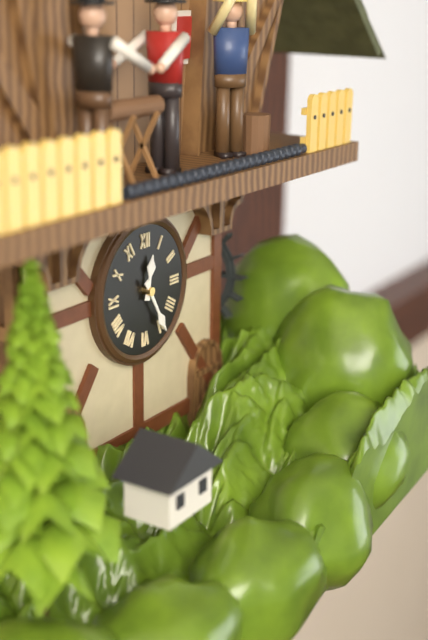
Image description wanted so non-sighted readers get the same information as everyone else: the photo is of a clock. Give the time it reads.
12:25
